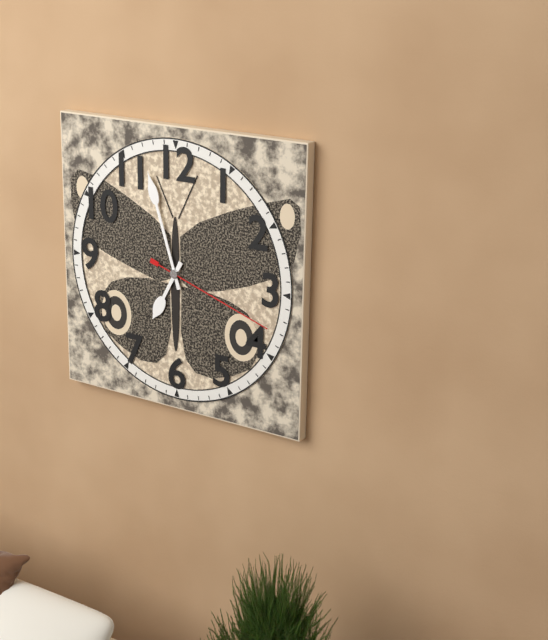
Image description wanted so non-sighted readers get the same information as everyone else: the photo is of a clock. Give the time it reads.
6:57:18
